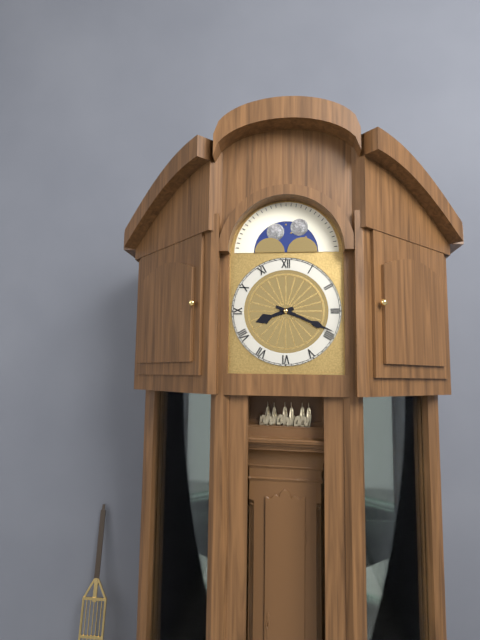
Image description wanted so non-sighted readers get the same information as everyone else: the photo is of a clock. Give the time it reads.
8:19
